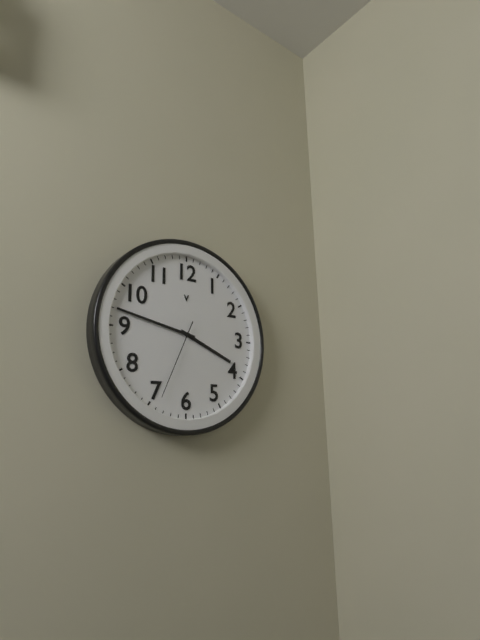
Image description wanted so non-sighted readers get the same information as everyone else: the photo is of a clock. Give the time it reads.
3:47:34
